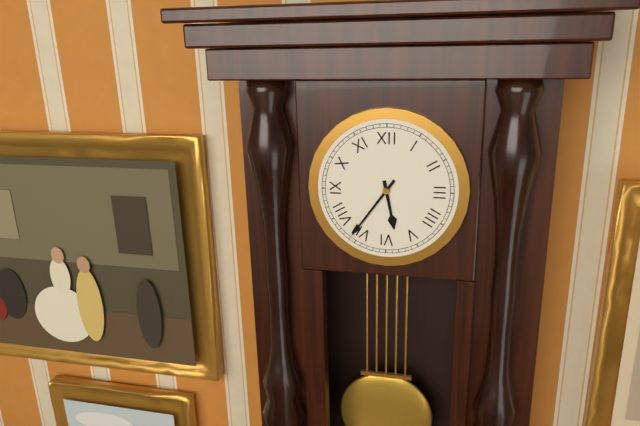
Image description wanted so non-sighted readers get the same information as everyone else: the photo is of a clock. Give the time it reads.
5:36
